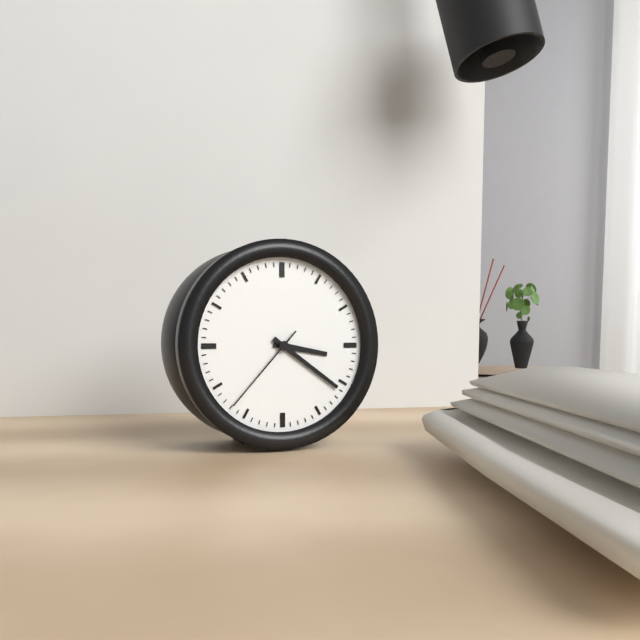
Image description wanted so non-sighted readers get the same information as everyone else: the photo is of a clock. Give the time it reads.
3:21:37
